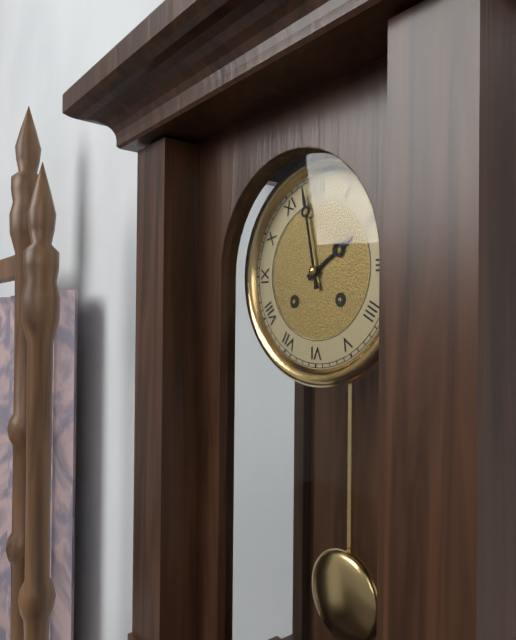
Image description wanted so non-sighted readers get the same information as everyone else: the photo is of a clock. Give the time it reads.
1:58
